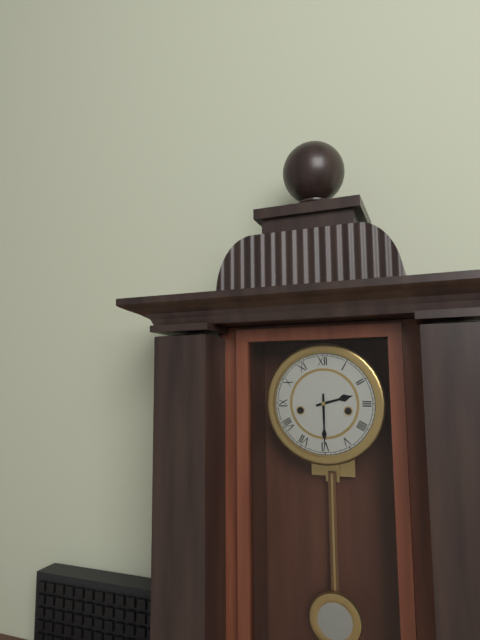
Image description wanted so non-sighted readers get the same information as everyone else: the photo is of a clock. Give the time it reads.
2:30
